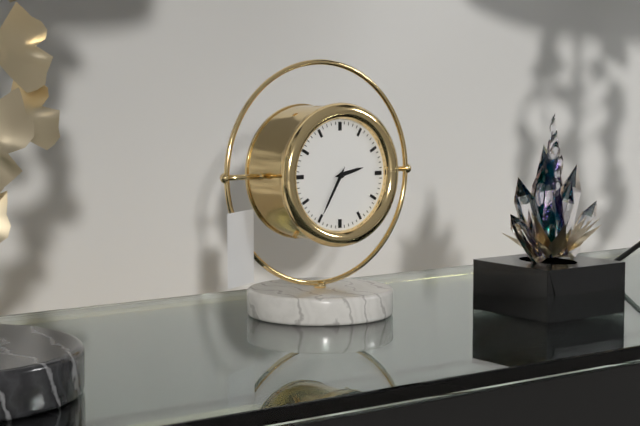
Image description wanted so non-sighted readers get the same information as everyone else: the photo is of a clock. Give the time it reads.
2:35
